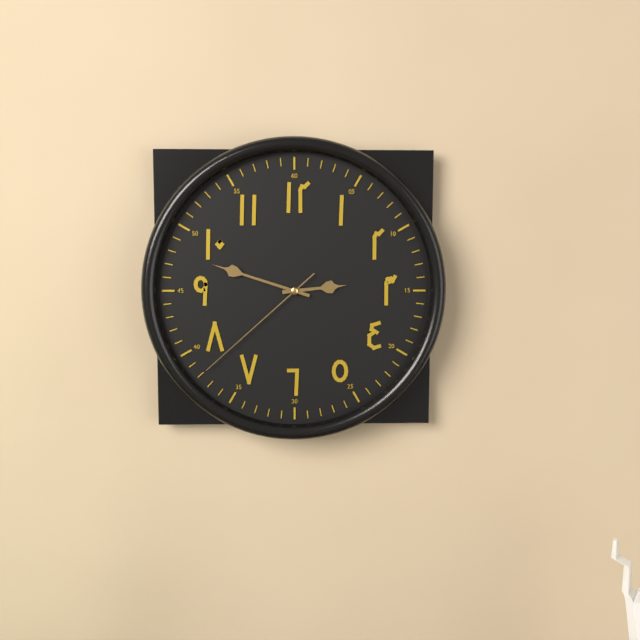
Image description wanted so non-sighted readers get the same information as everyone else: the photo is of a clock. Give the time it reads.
2:48:38
